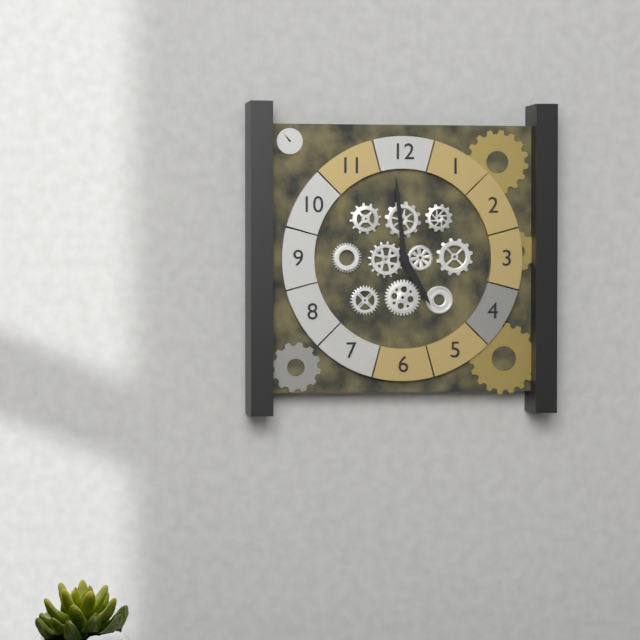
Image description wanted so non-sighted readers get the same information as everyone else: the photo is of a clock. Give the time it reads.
4:59
